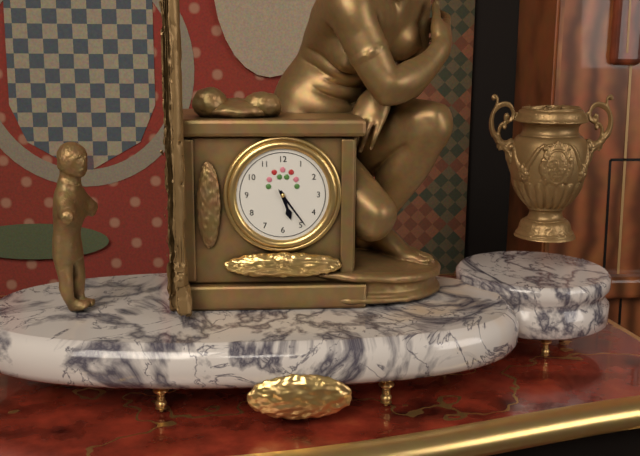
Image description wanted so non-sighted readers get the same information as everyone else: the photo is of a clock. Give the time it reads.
5:24
